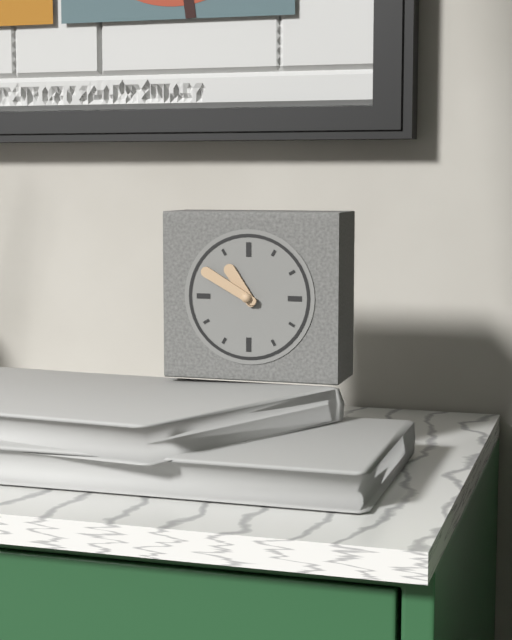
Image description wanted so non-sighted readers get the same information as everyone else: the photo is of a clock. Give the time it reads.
10:50
